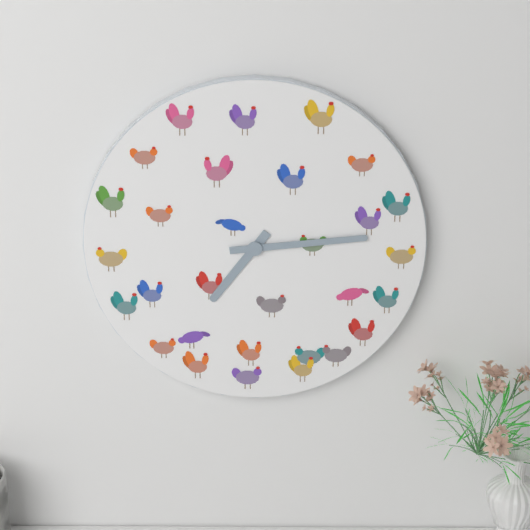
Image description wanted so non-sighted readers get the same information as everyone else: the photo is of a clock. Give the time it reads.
7:14
